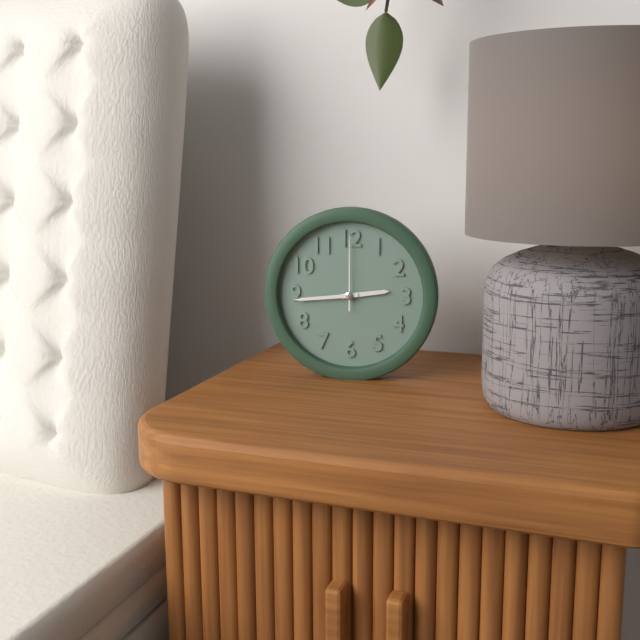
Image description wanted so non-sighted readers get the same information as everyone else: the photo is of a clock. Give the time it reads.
2:44:00
